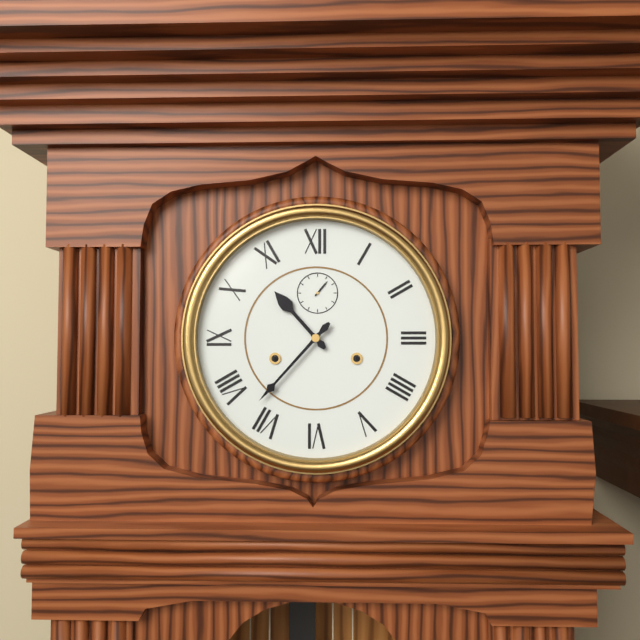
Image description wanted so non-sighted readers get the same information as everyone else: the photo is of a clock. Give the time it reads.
10:37
